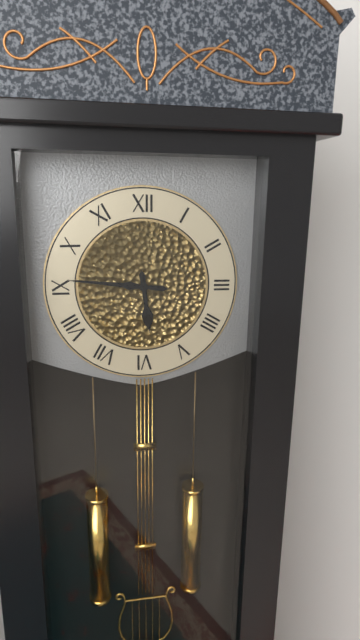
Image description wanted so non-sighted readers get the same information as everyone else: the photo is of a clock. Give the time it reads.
5:46
